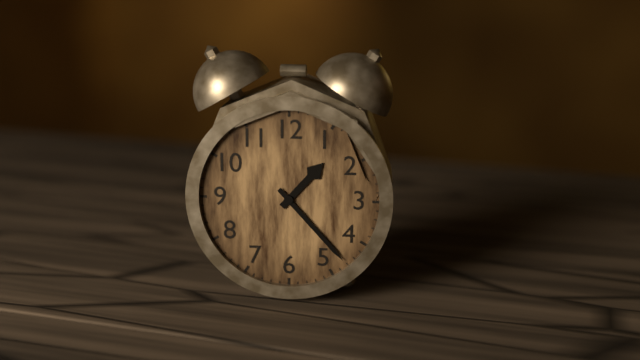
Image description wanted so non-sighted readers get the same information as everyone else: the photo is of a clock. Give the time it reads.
1:23
